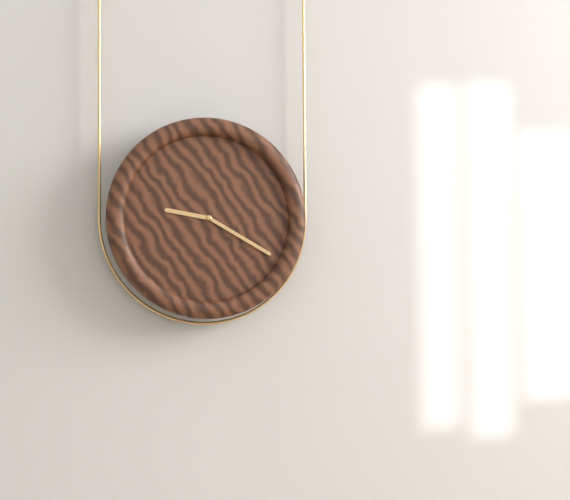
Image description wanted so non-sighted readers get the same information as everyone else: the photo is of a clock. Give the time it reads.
9:20
